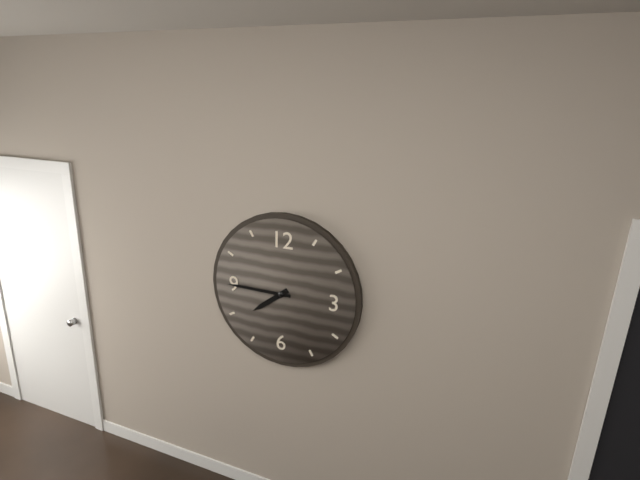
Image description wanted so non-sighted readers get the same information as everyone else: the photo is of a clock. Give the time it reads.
7:45
